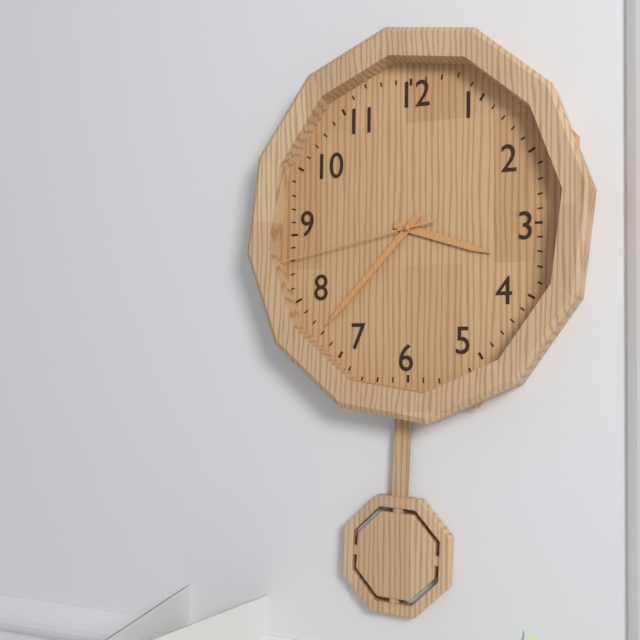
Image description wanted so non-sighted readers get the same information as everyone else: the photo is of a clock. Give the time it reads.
3:37:43
